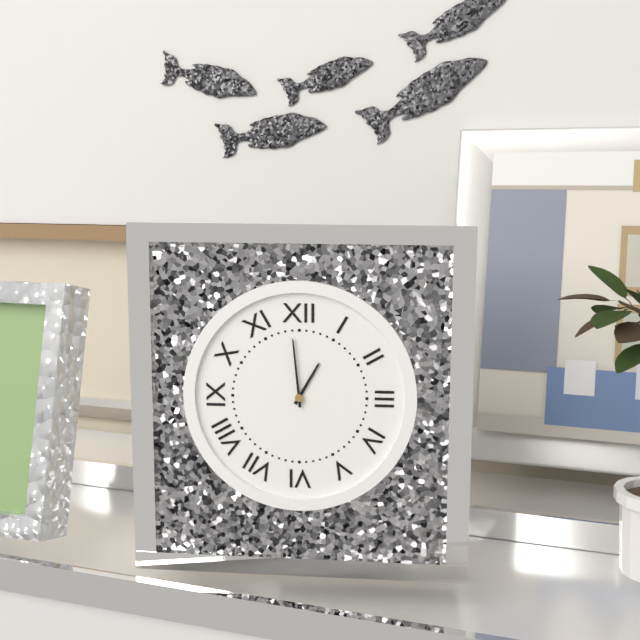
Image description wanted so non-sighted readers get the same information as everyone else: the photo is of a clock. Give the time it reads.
12:59
